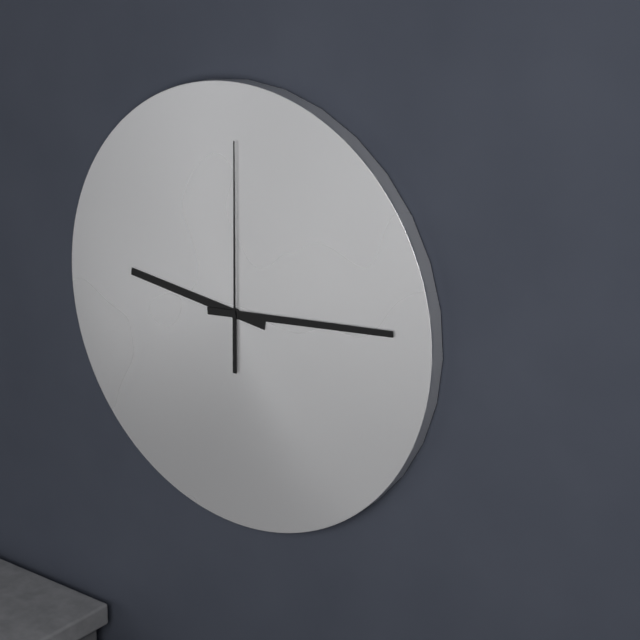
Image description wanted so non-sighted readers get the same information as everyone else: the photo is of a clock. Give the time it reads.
9:14:00
